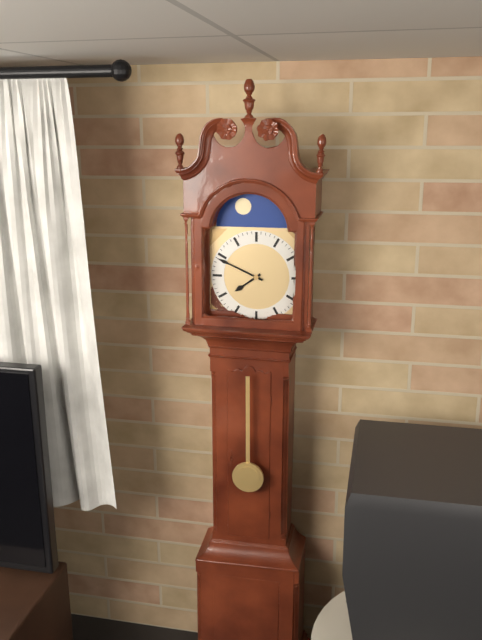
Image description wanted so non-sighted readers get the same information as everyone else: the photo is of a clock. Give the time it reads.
7:49
